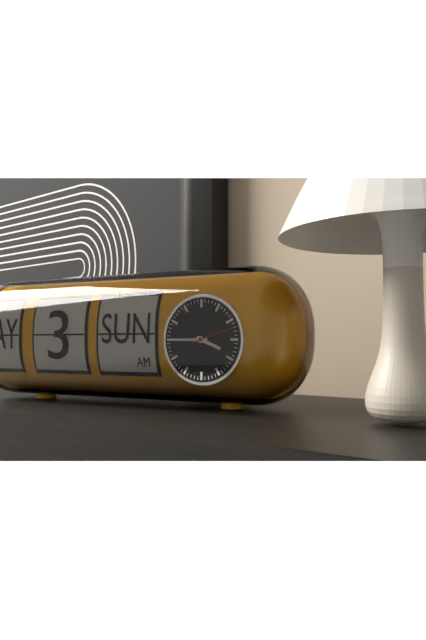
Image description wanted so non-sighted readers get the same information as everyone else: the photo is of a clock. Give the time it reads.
3:45
